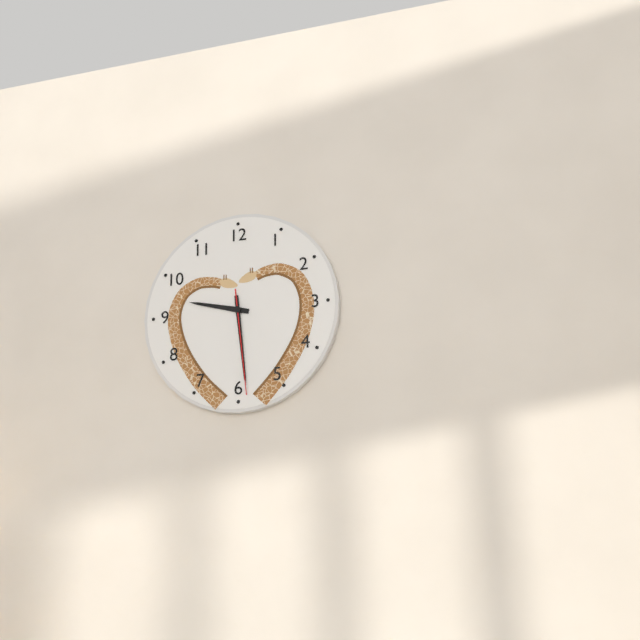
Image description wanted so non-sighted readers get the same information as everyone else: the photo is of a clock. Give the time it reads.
9:29:29
